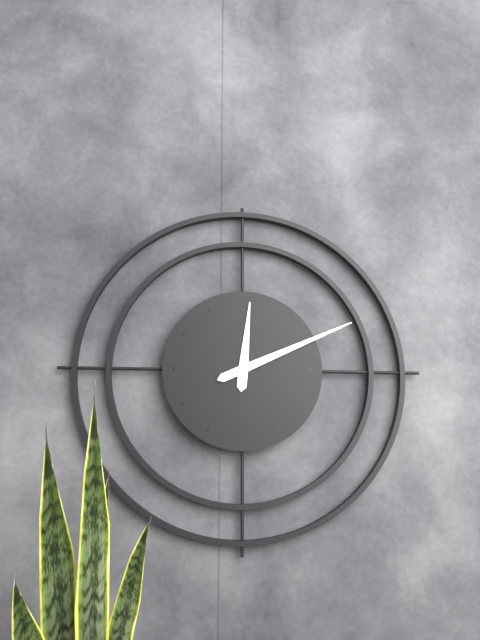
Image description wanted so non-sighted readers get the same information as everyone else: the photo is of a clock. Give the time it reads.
12:11
